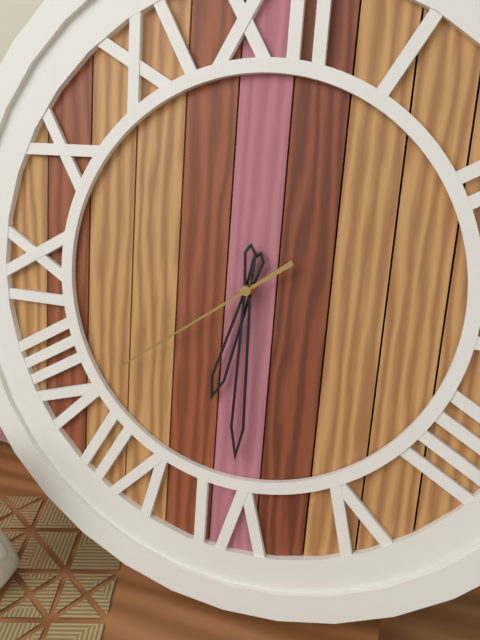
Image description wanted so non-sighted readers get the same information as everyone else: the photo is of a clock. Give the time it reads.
6:30:39
